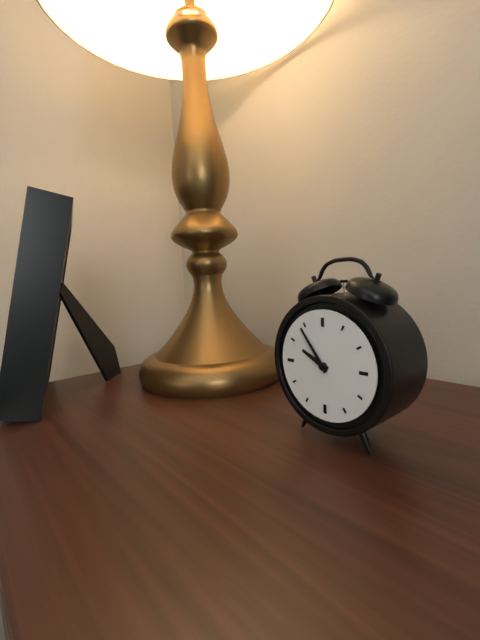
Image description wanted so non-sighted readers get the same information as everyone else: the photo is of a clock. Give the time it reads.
9:54
